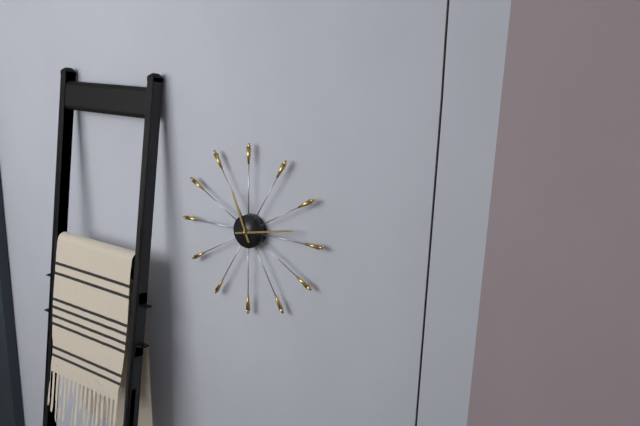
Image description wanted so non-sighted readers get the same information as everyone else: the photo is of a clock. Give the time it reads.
11:13
